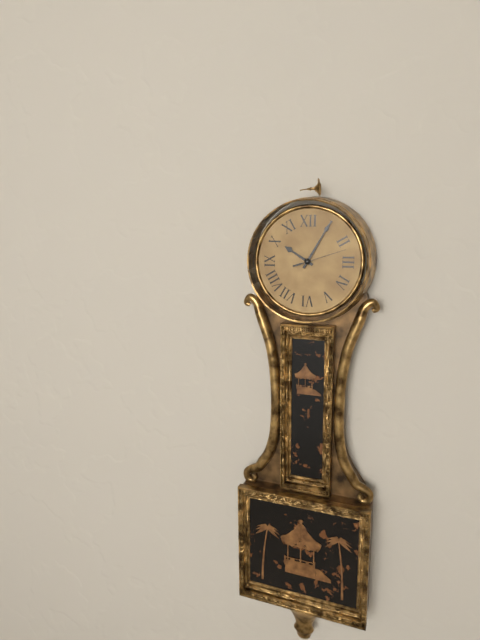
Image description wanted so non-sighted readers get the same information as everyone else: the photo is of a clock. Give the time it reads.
10:05:12
